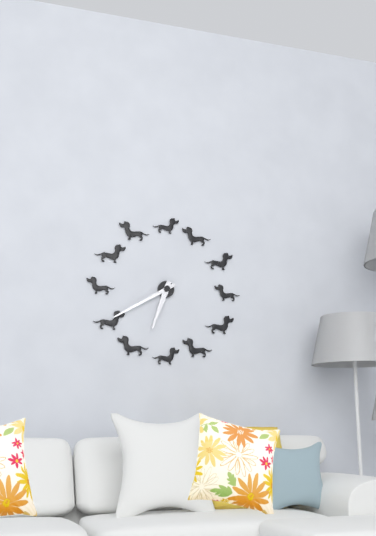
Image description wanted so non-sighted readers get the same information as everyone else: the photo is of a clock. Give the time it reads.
6:40
